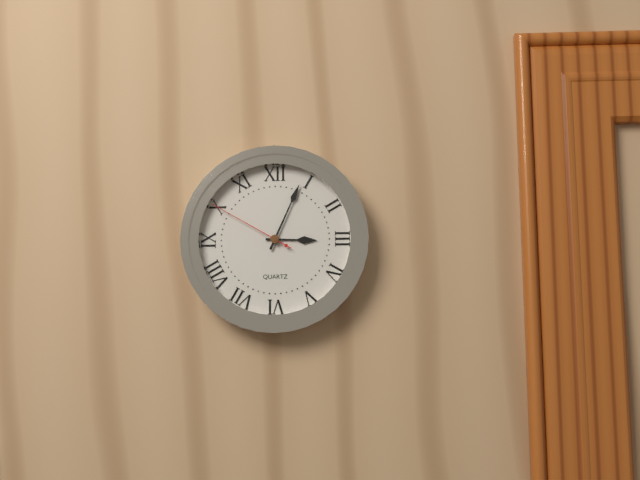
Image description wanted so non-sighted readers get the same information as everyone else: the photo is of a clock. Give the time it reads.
3:04:50
